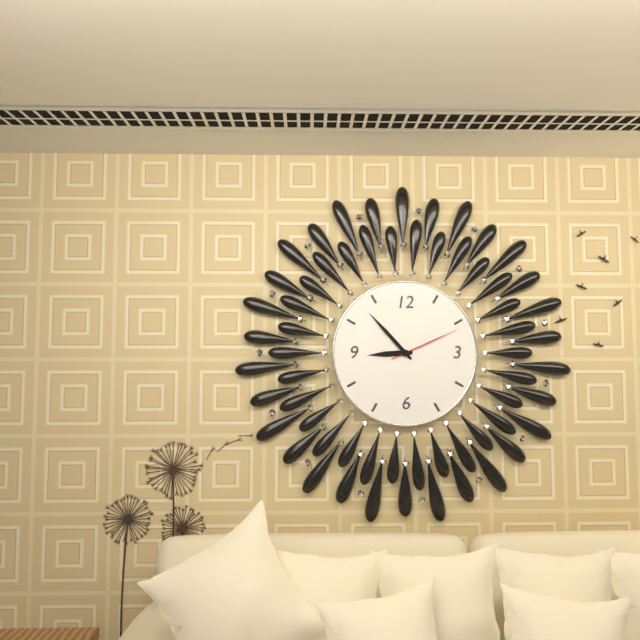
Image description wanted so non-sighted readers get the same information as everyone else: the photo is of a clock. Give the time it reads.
8:53:11
